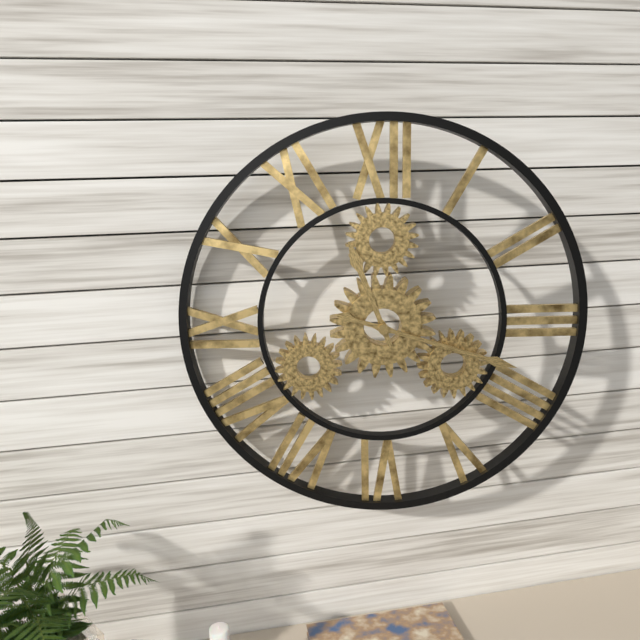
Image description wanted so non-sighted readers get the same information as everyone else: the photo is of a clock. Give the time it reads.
11:18
